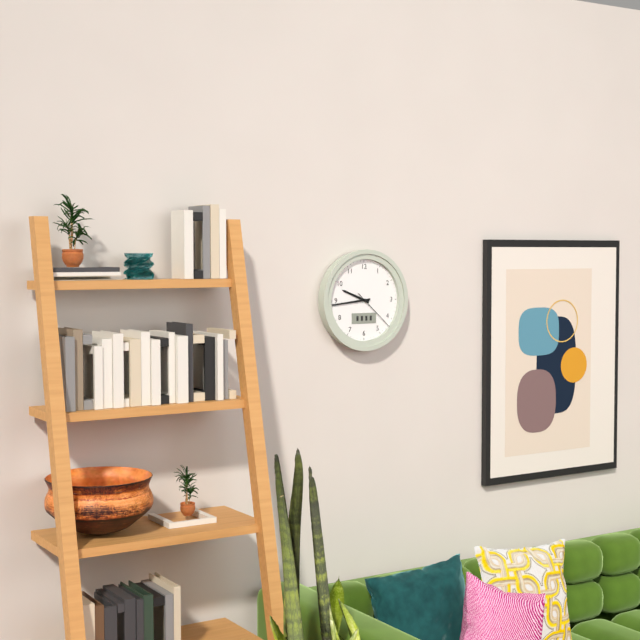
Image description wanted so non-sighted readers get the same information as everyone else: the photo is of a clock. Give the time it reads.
9:44
